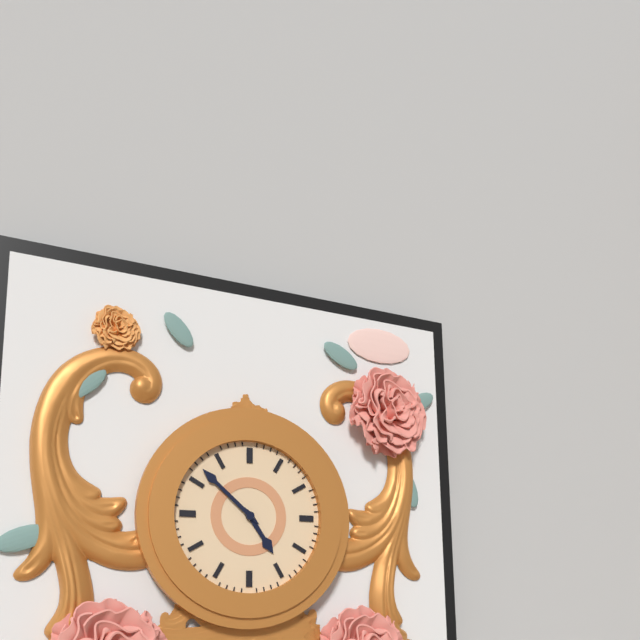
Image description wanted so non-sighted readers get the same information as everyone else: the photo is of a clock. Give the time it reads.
4:52
